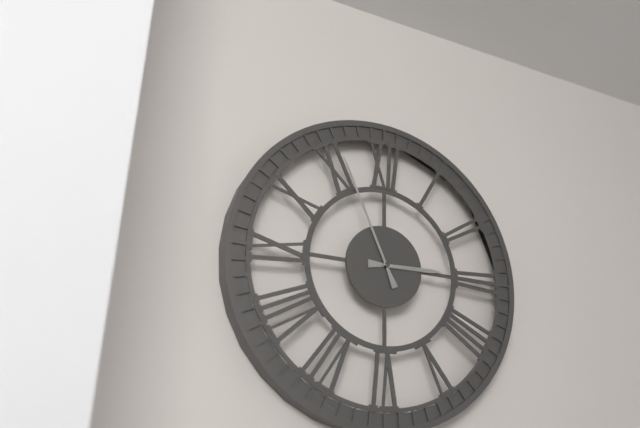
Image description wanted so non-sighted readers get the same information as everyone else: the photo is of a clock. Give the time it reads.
2:56
